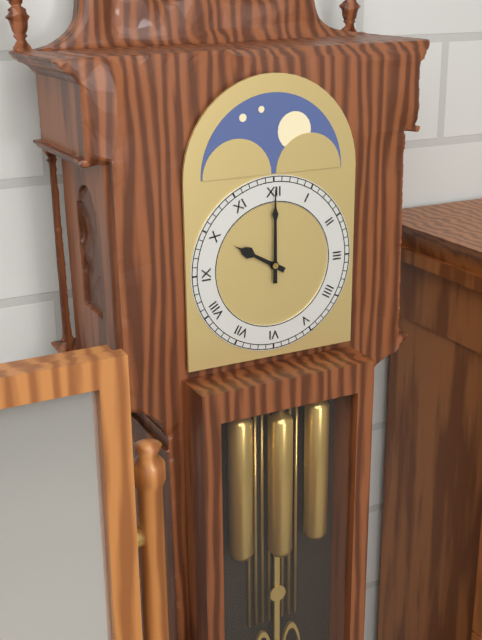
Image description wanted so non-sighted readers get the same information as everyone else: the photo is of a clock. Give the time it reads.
10:00
